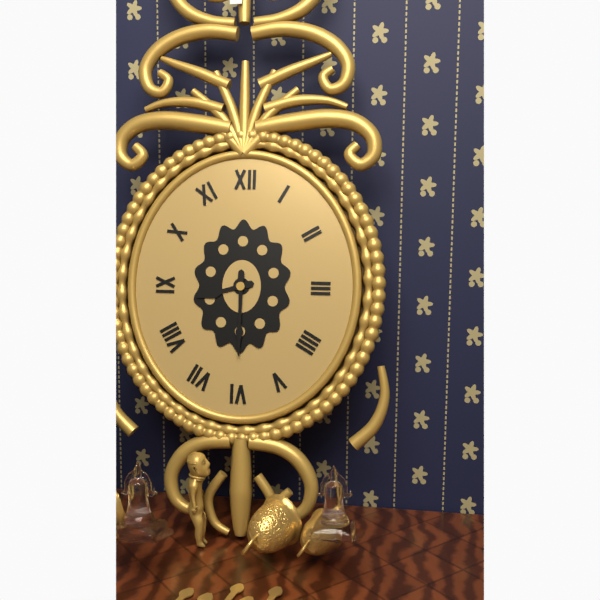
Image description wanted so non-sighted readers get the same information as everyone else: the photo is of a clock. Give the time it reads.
8:30
